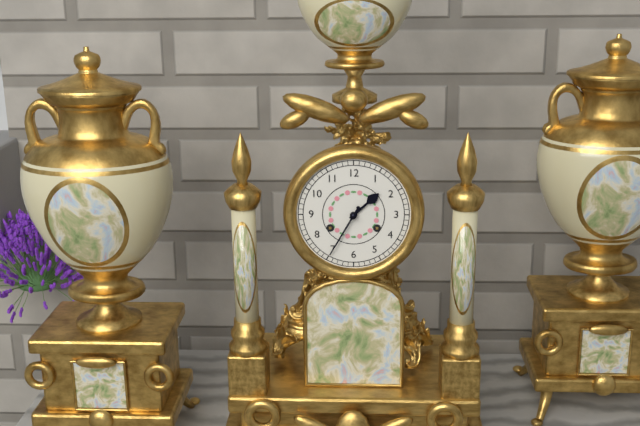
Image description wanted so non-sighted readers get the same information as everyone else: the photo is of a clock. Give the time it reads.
1:35
